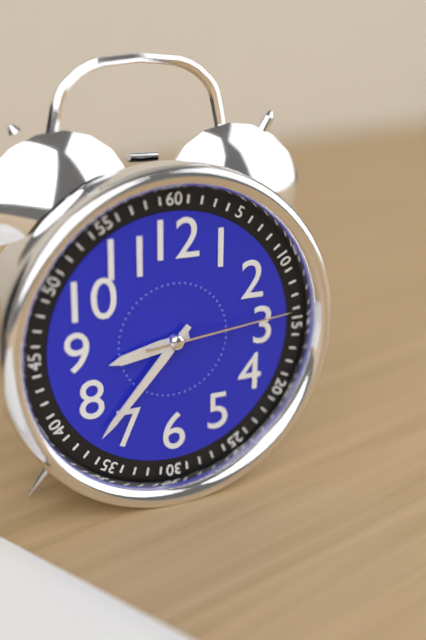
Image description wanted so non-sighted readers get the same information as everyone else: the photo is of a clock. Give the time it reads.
8:37:14
